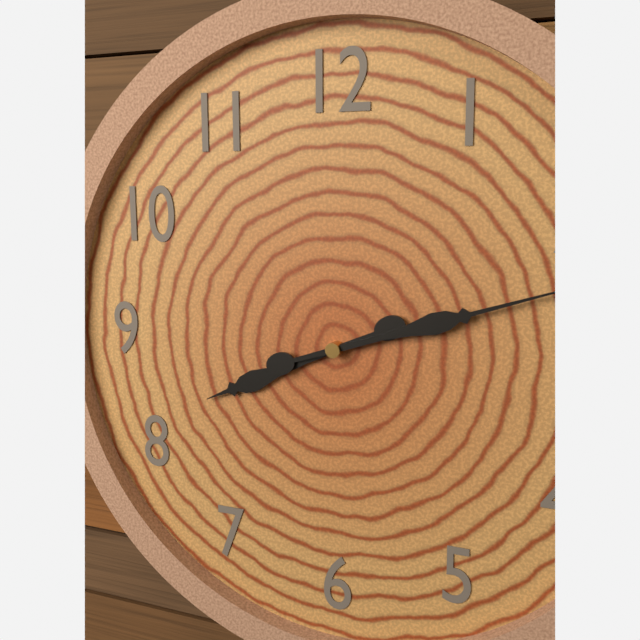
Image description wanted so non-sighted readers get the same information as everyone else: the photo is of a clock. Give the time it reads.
8:12
